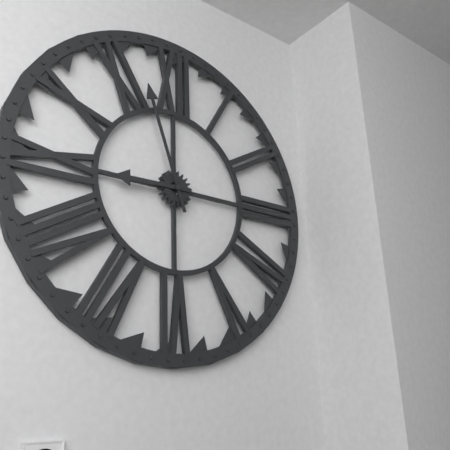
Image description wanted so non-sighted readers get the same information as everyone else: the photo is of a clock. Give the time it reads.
8:57
